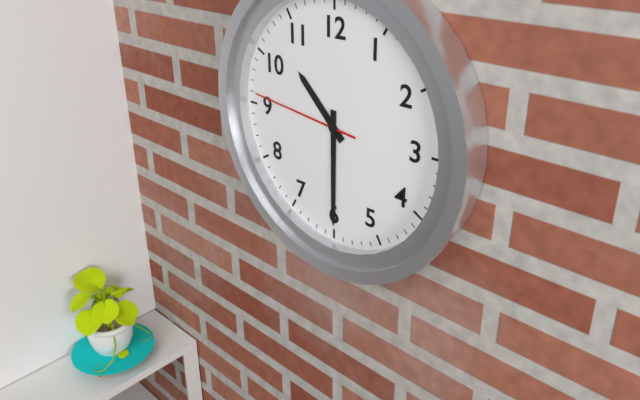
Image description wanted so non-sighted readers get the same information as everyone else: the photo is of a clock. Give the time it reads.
10:30:46
